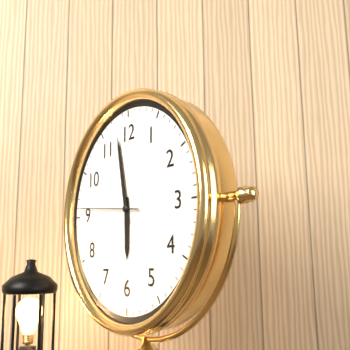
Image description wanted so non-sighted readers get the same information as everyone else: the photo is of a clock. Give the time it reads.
5:58:46
